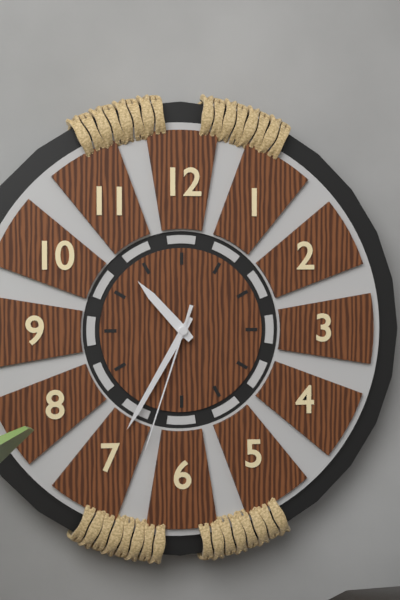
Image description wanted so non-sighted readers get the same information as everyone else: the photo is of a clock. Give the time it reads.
10:35:33
